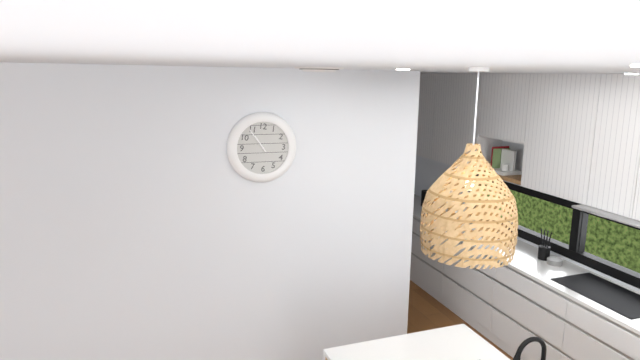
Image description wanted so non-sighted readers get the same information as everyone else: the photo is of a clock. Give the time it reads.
10:54
